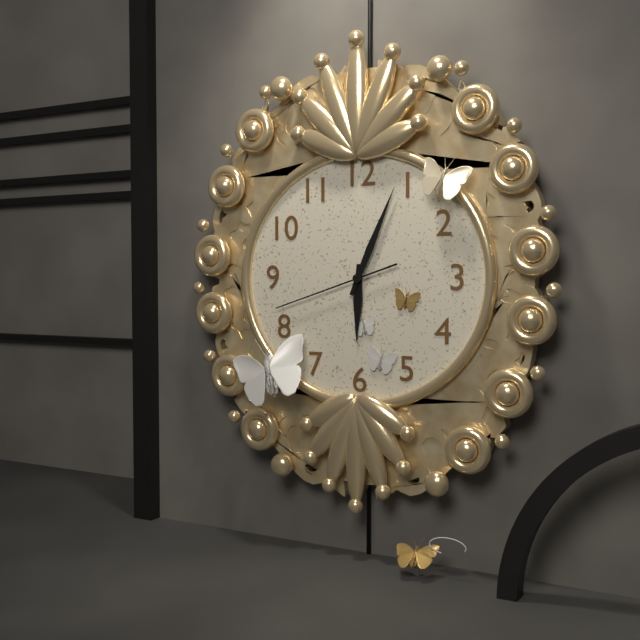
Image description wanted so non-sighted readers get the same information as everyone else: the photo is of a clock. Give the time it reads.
6:04:42
